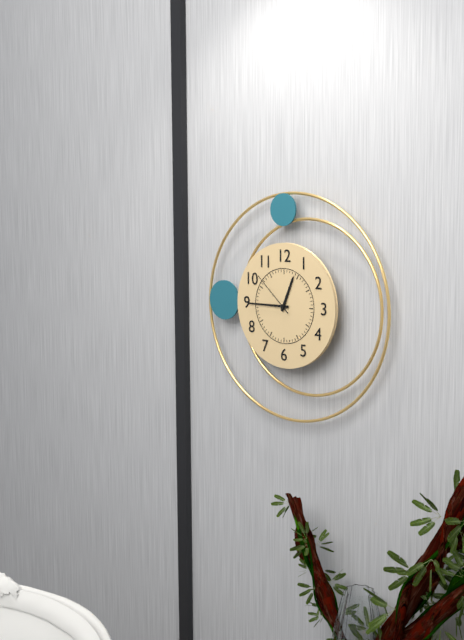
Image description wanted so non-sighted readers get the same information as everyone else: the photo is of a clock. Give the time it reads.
12:45:52
